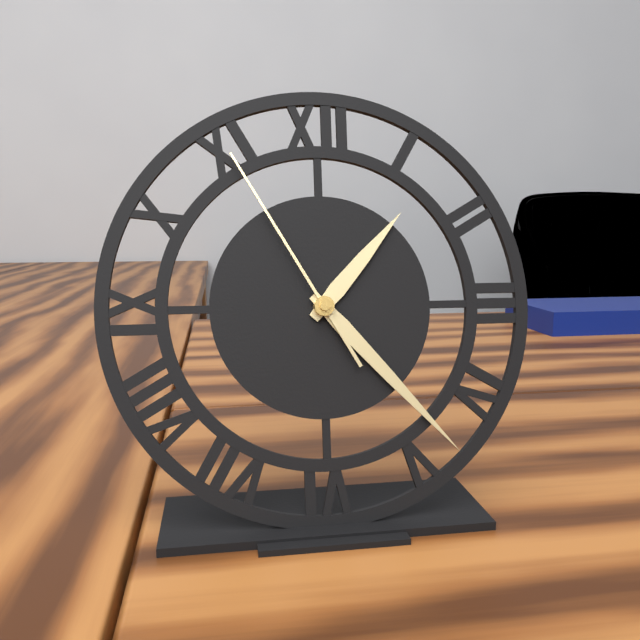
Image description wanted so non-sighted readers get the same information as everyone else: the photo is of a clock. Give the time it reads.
1:23:55
